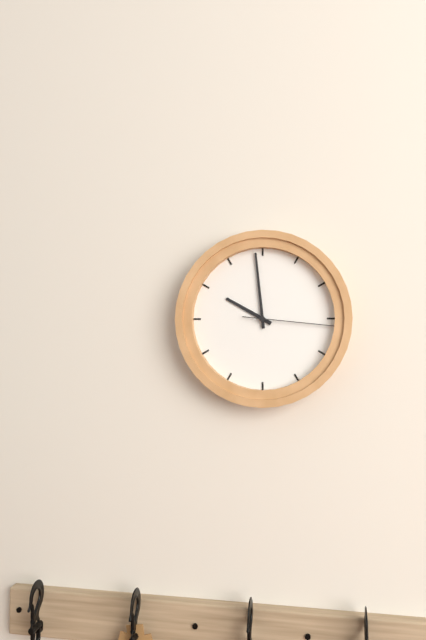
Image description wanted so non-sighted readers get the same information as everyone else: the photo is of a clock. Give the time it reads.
9:59:16
